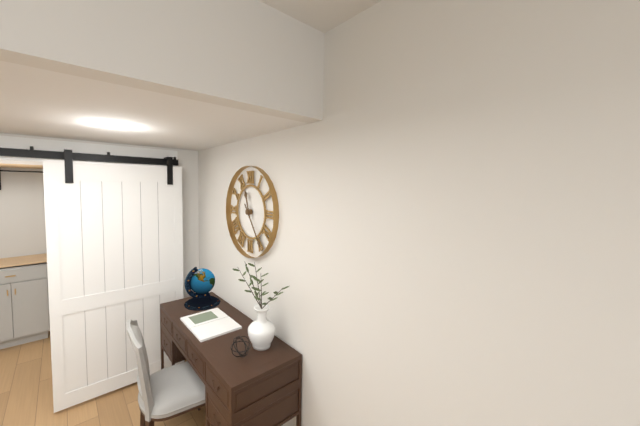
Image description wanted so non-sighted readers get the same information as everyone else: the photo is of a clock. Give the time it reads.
11:24
